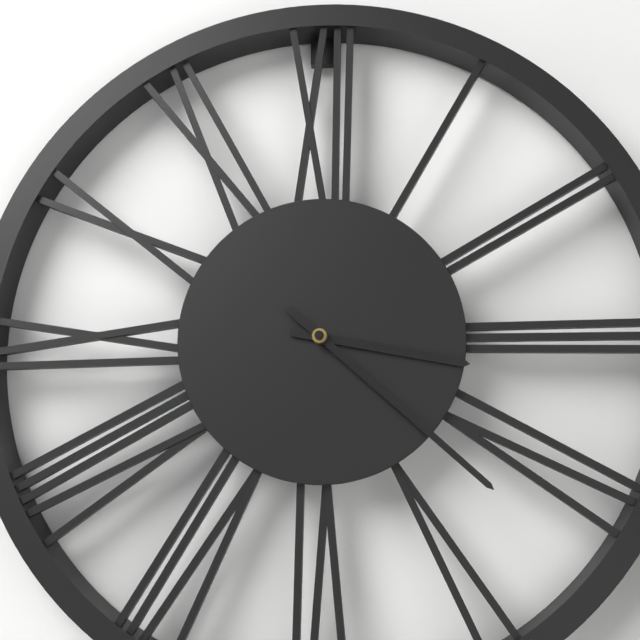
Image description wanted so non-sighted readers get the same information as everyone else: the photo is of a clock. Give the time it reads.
3:22
